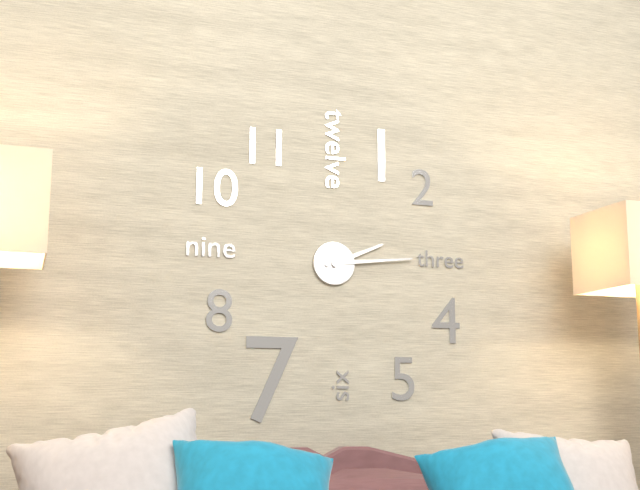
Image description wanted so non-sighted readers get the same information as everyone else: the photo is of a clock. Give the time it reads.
2:14
